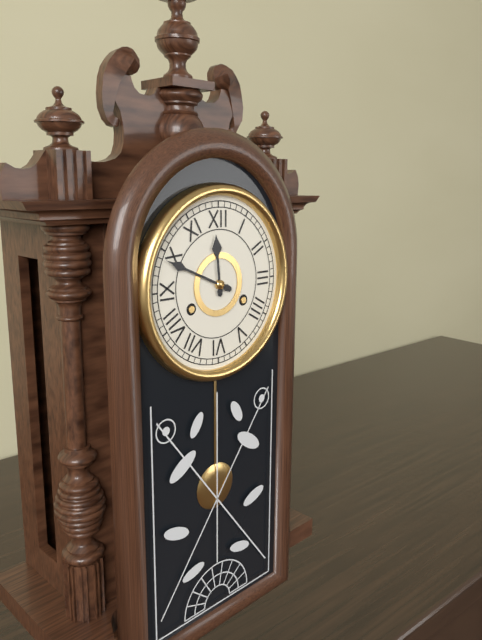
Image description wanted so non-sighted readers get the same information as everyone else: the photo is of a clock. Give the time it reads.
11:49
